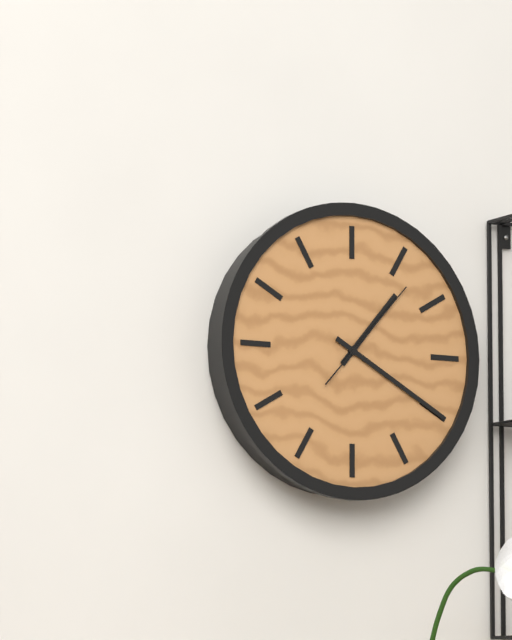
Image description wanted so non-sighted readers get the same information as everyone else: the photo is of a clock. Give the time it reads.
1:20:07
